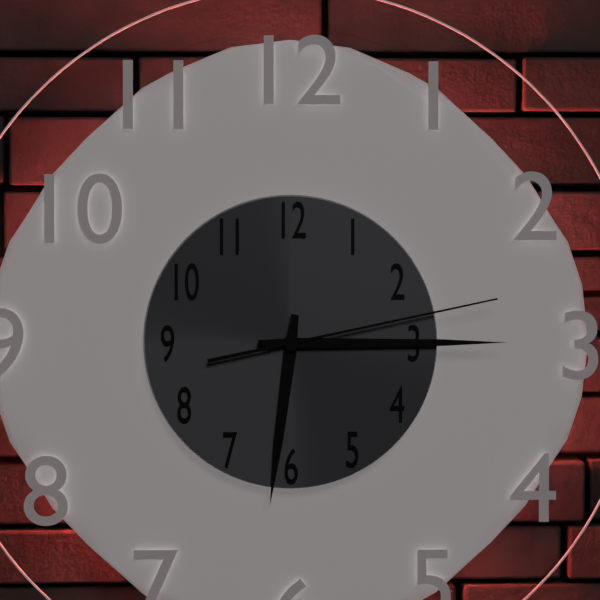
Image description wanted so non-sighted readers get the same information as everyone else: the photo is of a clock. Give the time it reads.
6:15:13
